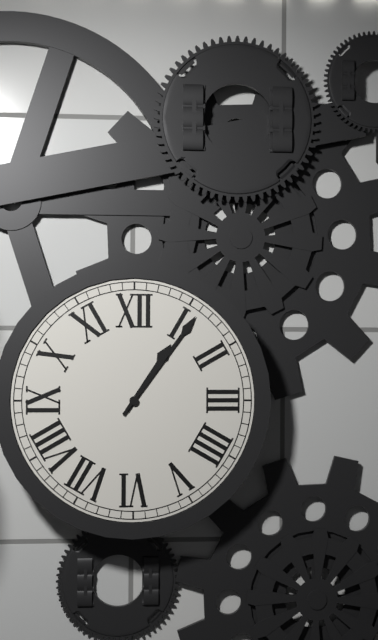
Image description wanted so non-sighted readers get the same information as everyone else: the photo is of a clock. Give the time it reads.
1:06
